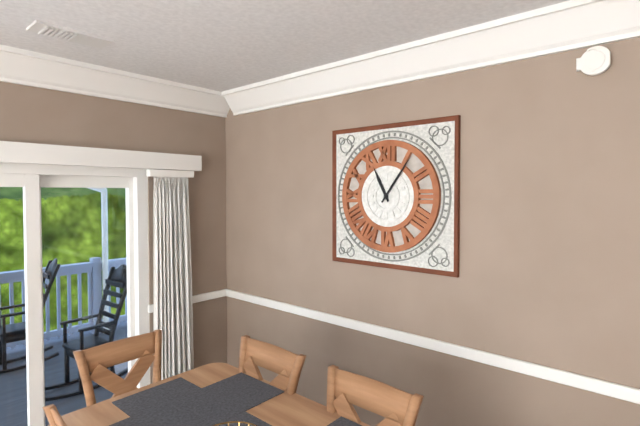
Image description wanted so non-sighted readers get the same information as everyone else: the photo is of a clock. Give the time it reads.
11:06
